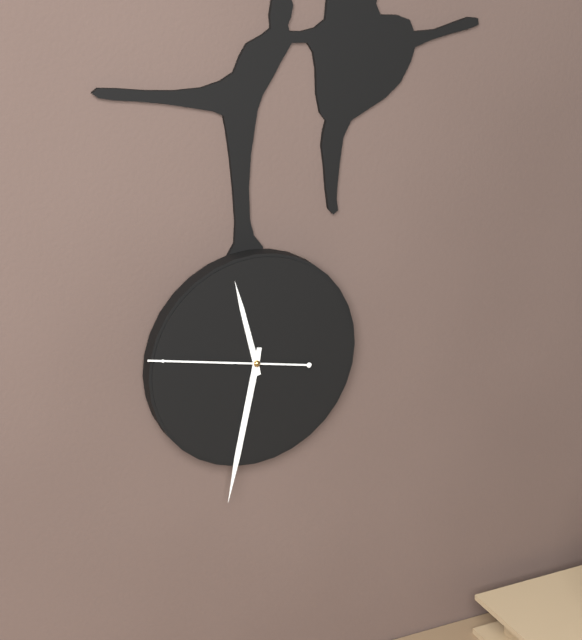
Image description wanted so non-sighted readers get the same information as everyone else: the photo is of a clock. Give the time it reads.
11:32:47
